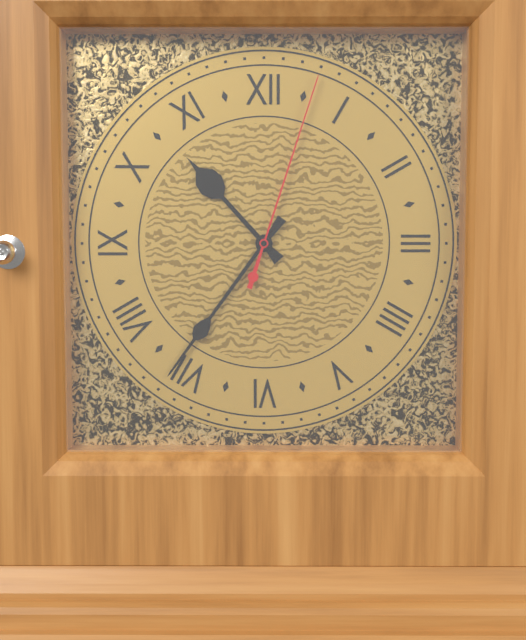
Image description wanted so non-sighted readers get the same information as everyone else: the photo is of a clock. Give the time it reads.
10:36:03
